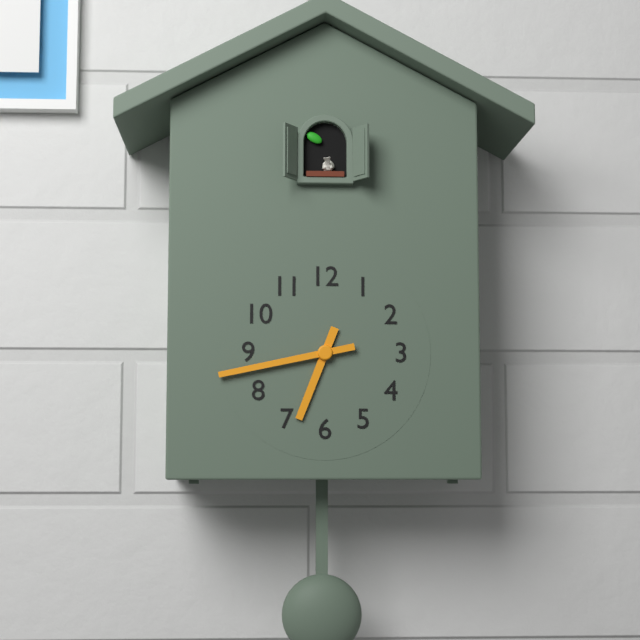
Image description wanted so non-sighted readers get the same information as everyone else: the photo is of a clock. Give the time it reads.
6:43
